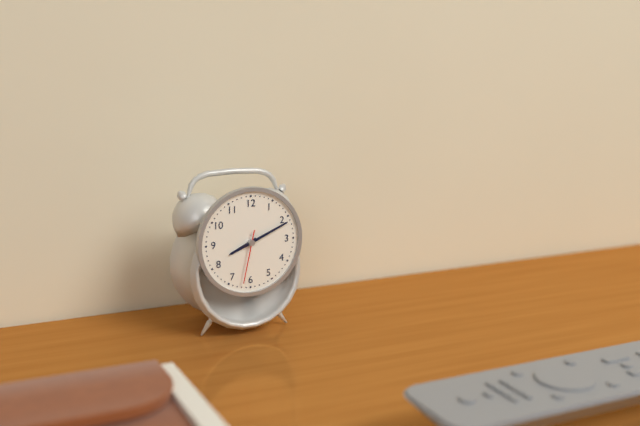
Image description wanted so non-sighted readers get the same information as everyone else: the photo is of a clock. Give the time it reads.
8:11:32
